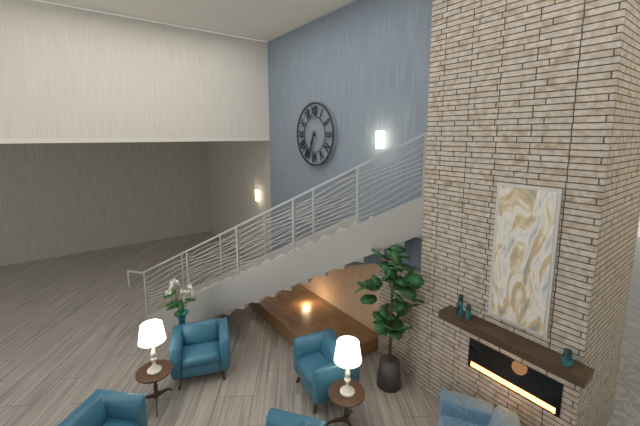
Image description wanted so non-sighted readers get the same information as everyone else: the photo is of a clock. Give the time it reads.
6:34
